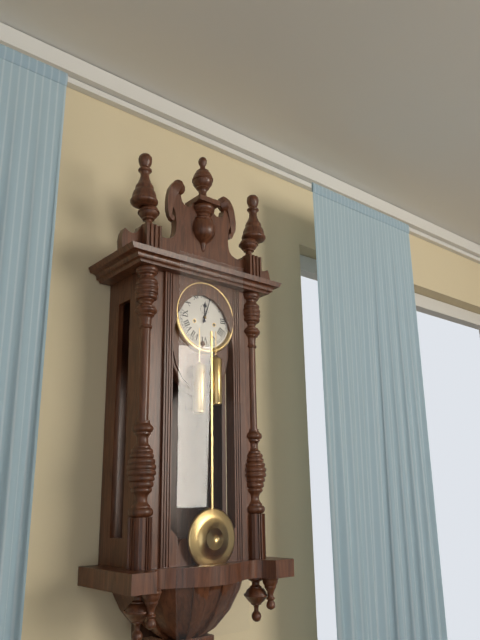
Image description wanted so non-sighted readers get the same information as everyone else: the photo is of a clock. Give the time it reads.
12:03
